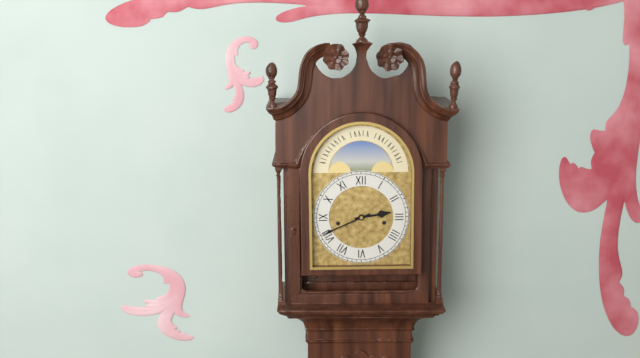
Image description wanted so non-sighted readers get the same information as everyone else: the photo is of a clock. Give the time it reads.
2:41
